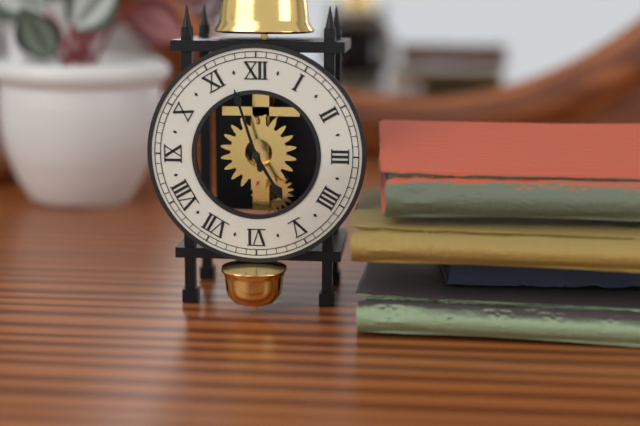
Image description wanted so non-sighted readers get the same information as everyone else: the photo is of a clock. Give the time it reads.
4:57
